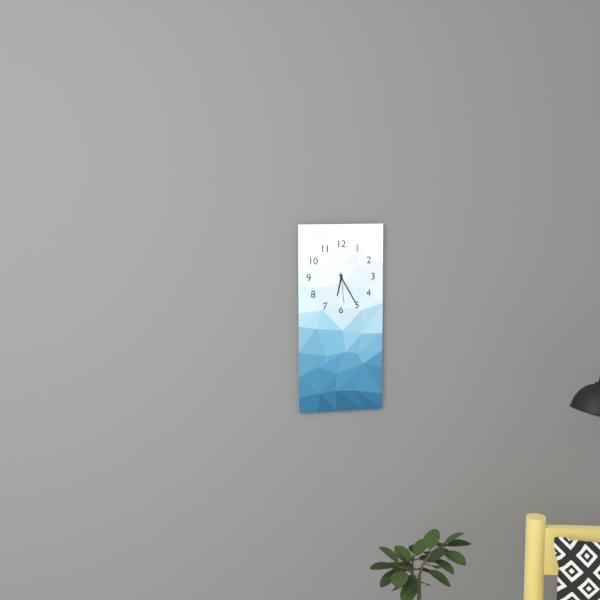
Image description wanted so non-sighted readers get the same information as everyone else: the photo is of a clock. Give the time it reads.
6:25
